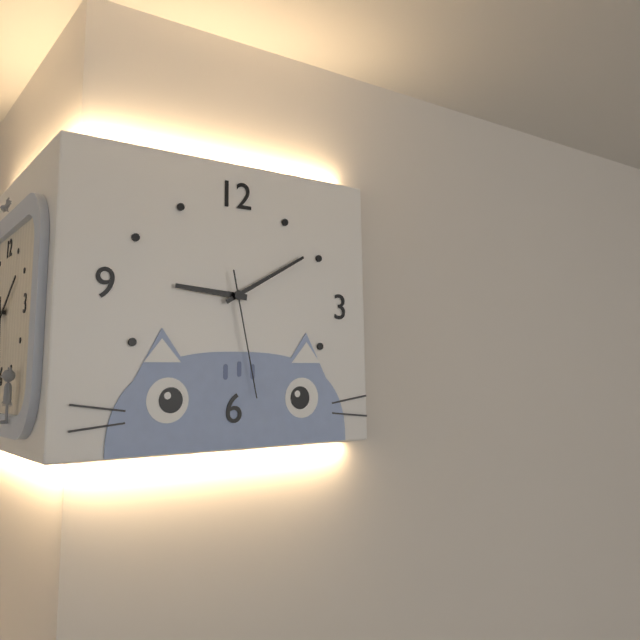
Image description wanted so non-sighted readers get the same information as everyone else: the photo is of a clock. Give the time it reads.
9:10:28
